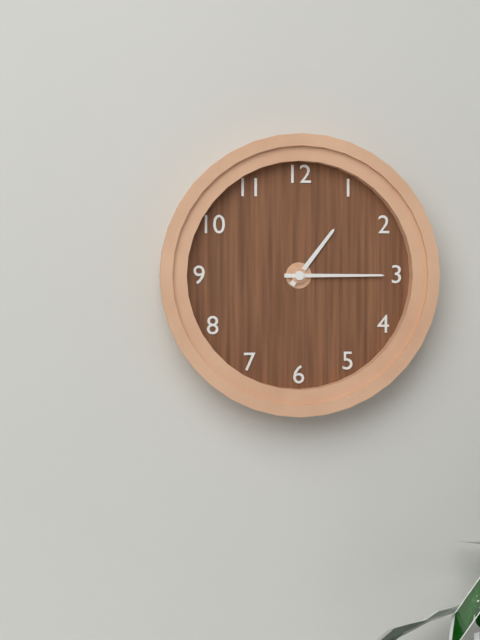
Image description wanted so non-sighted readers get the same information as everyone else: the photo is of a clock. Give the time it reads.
1:15
